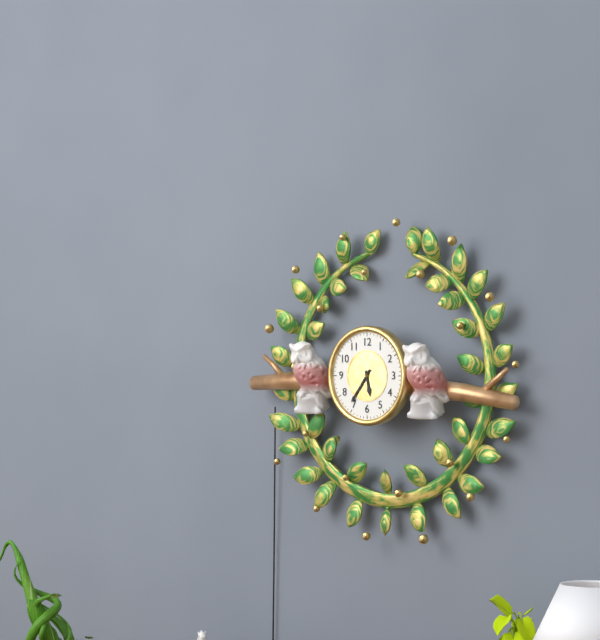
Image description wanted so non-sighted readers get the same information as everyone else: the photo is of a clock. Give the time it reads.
5:36
